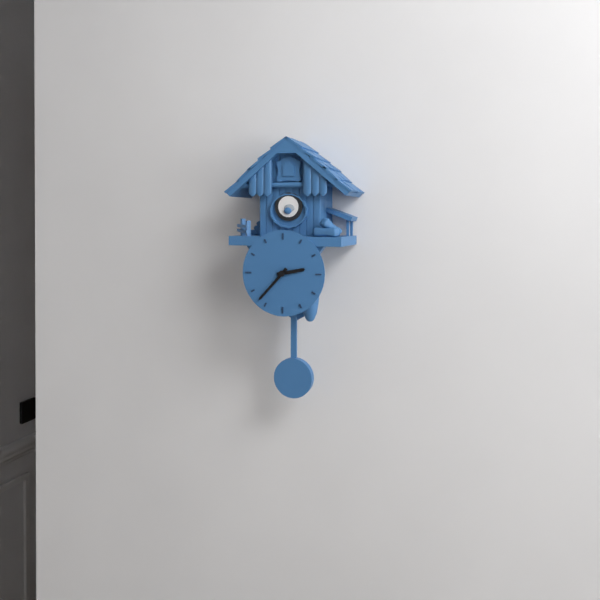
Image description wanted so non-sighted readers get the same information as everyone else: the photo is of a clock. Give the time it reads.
2:37
